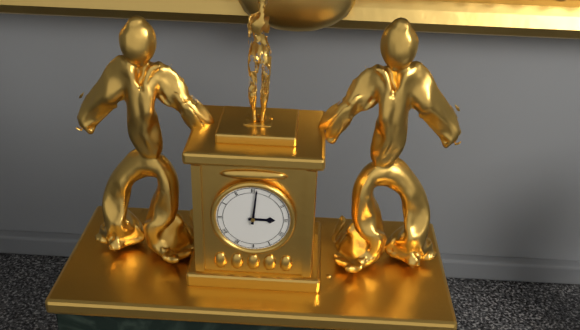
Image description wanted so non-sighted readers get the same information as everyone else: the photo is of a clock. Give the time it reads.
3:01
